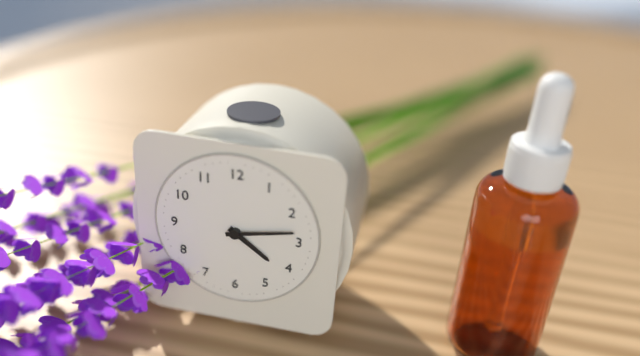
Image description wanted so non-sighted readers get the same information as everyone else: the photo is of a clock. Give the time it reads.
4:13
